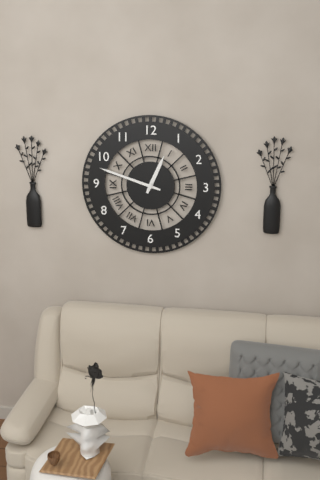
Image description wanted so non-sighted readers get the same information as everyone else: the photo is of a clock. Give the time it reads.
12:48
